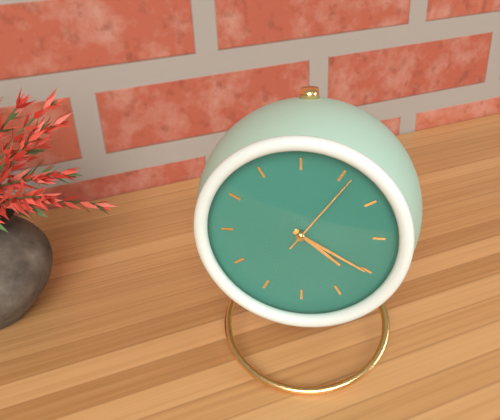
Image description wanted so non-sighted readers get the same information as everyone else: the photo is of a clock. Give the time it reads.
4:20:06
